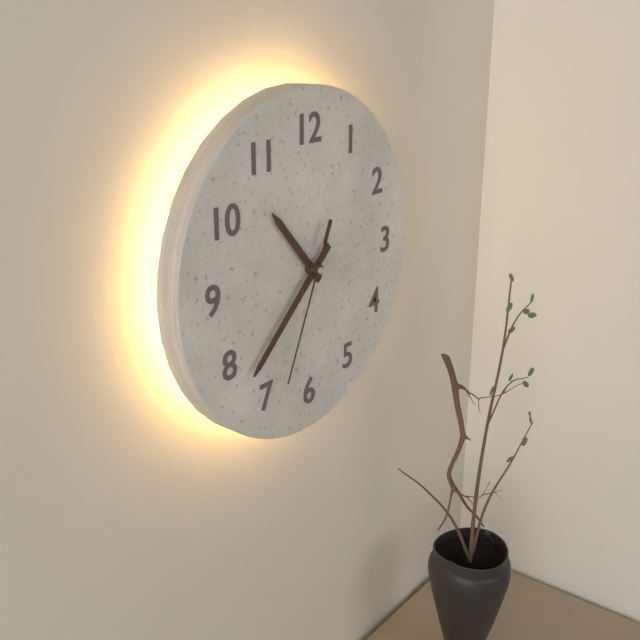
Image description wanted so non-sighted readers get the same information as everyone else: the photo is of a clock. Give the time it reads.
10:38:34
